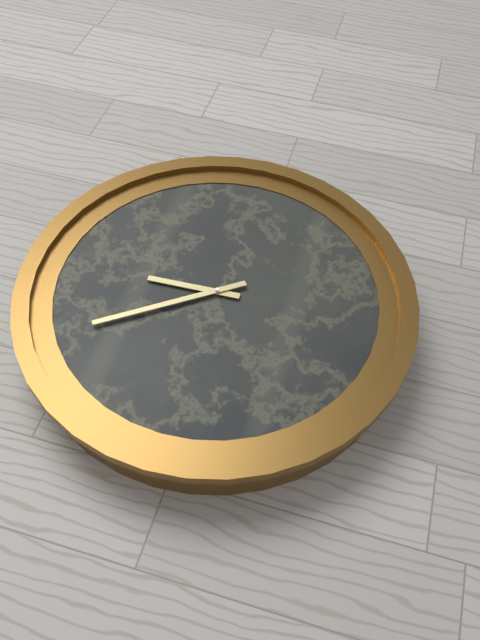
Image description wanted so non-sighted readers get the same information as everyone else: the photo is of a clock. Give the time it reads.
11:54
